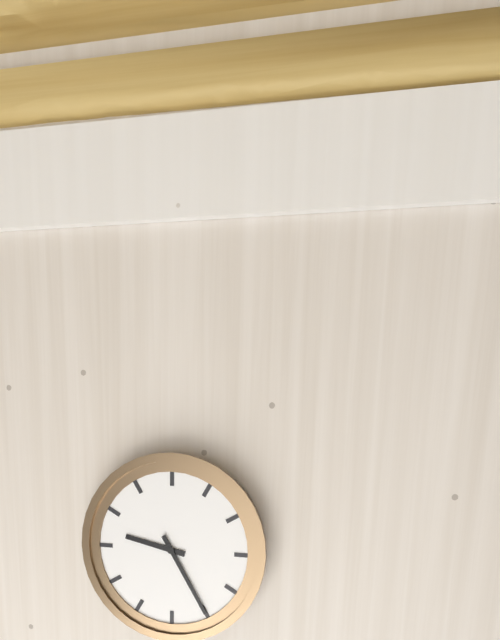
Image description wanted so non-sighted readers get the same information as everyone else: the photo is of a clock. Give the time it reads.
9:25
